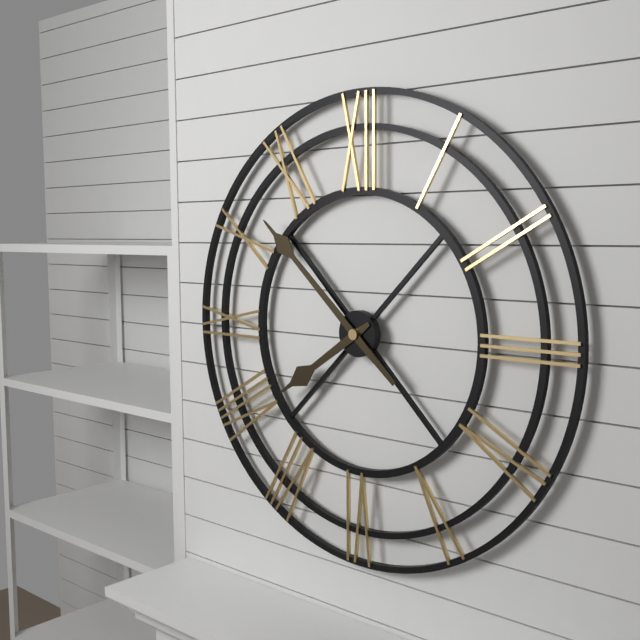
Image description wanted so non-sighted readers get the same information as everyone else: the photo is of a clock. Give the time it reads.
7:52
